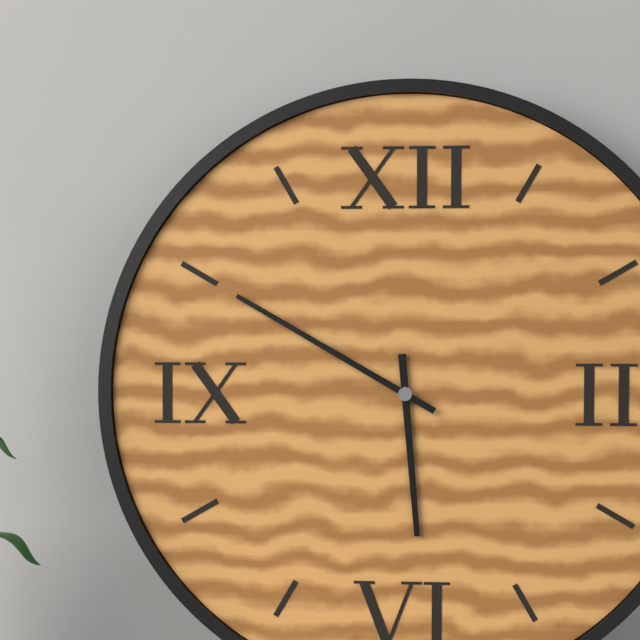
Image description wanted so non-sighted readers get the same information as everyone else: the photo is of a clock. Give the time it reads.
5:50
